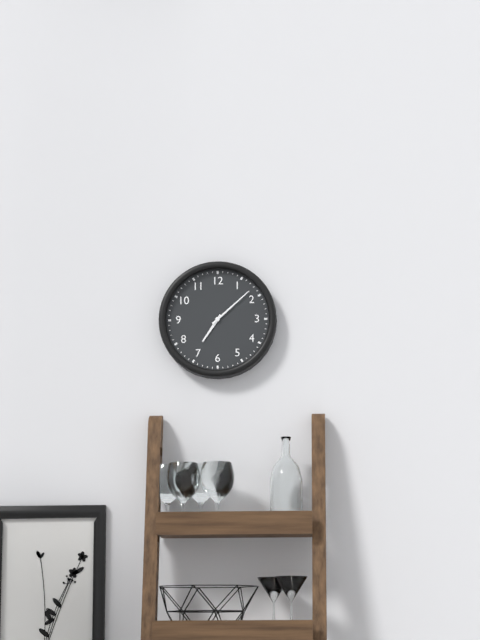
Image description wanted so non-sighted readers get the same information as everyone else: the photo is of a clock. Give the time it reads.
7:08
